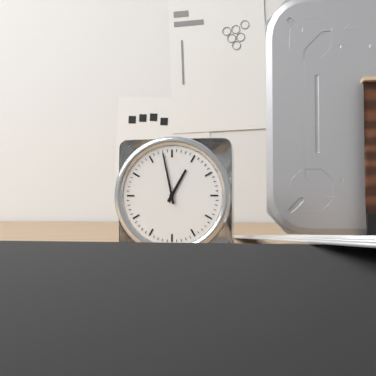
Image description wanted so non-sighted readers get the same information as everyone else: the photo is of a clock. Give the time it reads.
12:58
